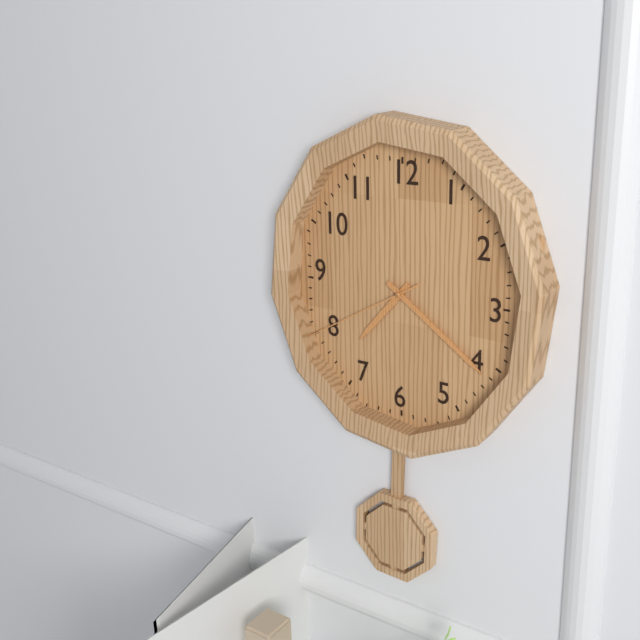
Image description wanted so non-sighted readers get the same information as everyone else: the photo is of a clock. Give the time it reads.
7:21:40
